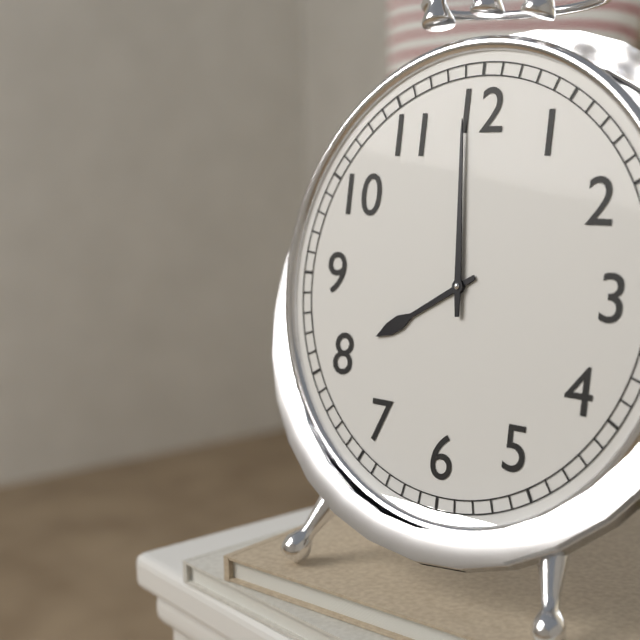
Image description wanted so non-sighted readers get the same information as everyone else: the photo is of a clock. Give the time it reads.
7:59
